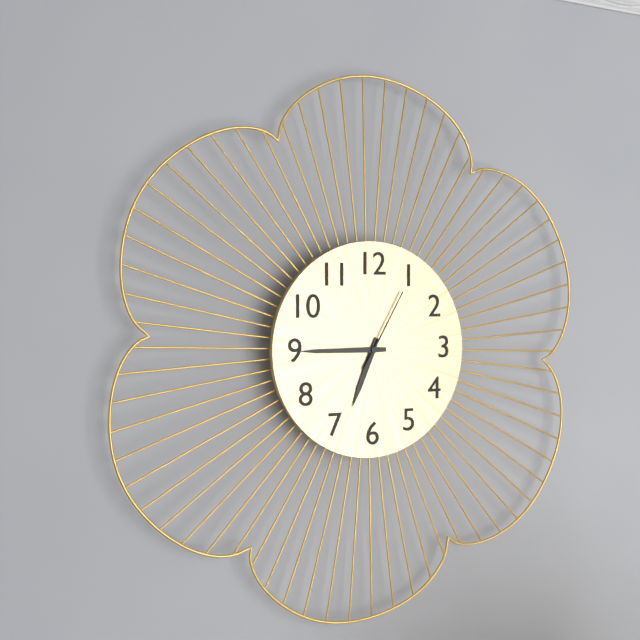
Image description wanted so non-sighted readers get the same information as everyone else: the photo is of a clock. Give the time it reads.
6:45:05
